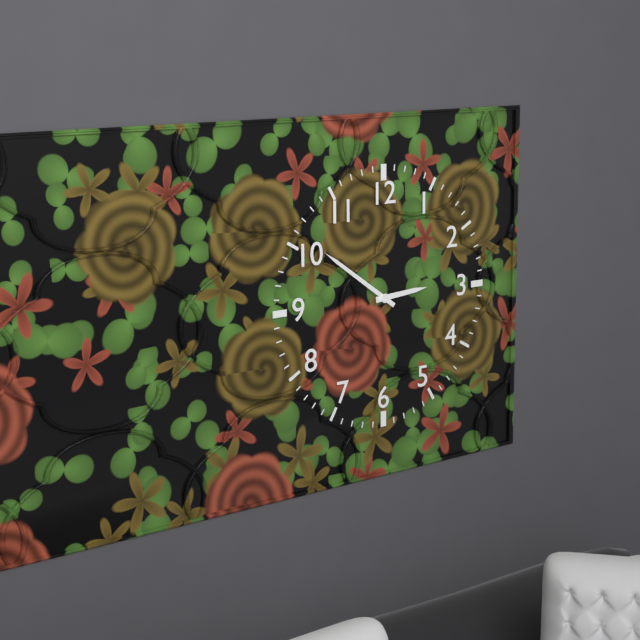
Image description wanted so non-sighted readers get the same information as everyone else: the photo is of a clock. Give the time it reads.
2:51
